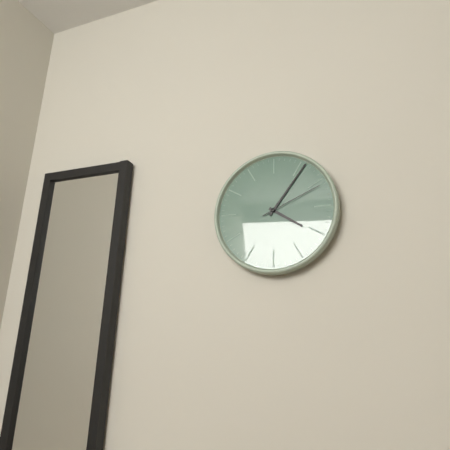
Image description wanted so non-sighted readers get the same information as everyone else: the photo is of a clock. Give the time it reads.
4:06:11
